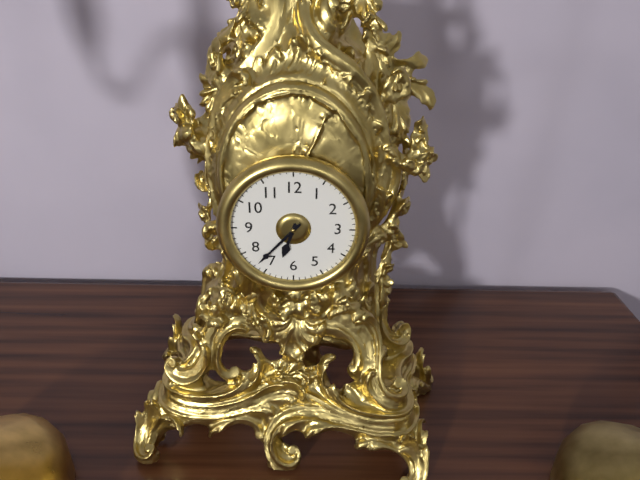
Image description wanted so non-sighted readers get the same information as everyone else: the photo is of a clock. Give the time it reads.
6:37
